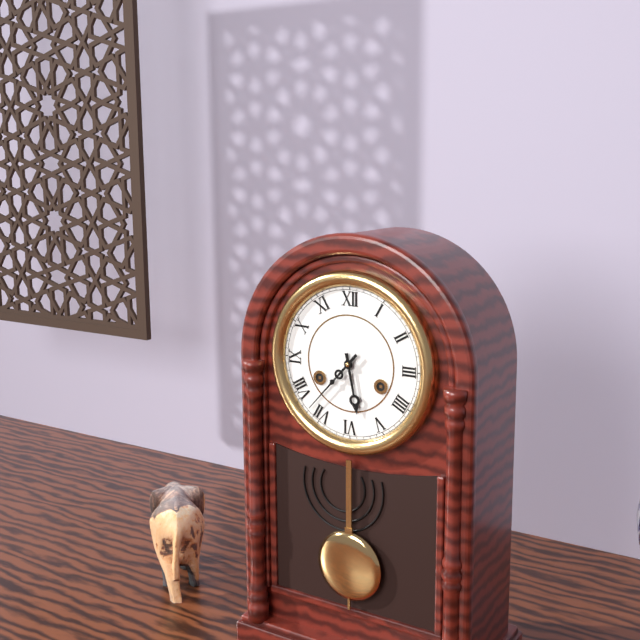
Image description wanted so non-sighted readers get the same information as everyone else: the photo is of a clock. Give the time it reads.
5:37
